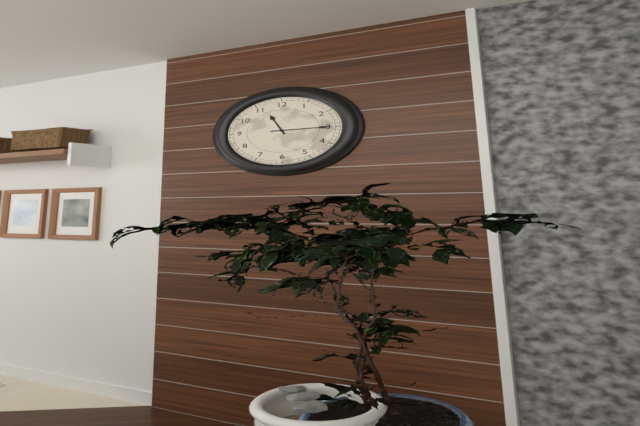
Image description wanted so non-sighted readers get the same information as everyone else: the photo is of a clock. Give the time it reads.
11:15
